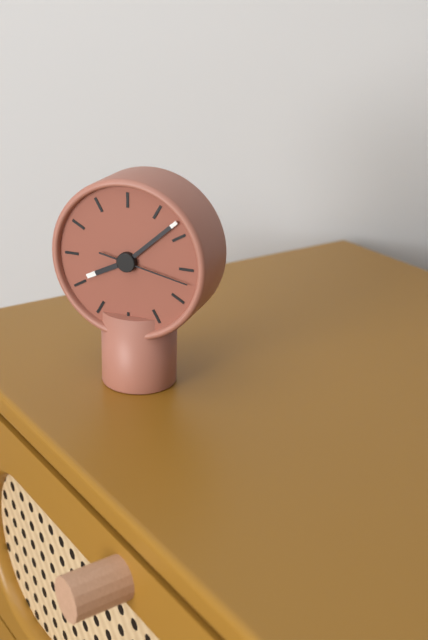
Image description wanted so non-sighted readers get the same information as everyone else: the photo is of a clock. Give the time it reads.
8:08:17
